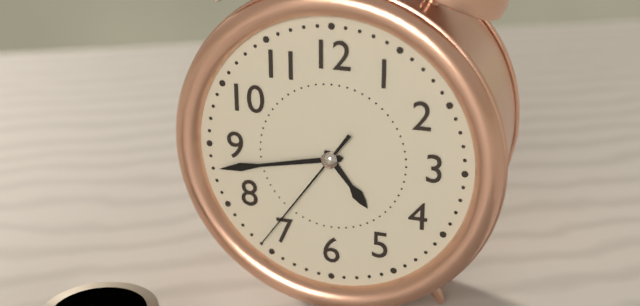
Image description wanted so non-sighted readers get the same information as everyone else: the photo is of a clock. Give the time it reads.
4:43:36
